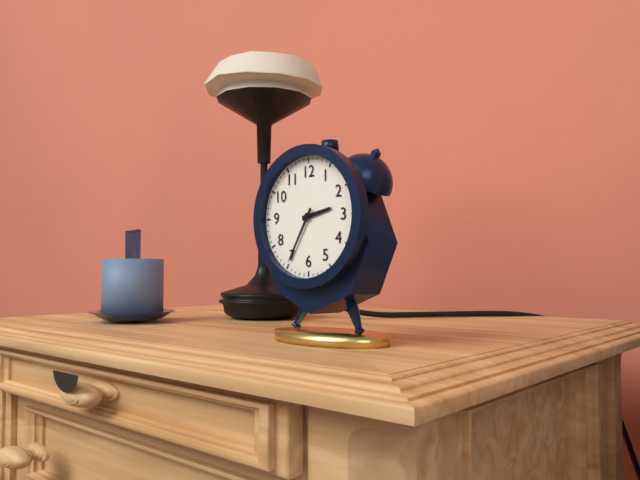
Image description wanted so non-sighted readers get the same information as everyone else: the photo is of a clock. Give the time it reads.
2:35
